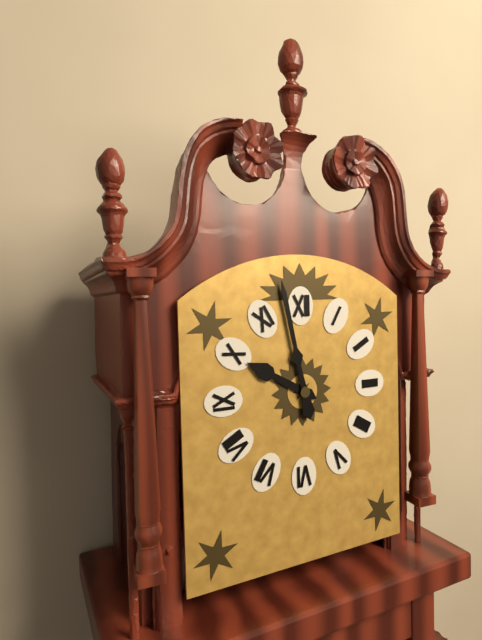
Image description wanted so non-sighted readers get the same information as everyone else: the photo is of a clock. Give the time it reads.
9:58
